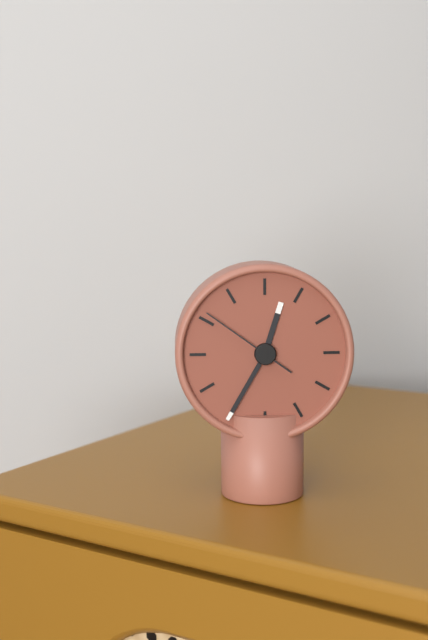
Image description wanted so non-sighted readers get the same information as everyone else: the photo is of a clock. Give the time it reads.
12:35:51
